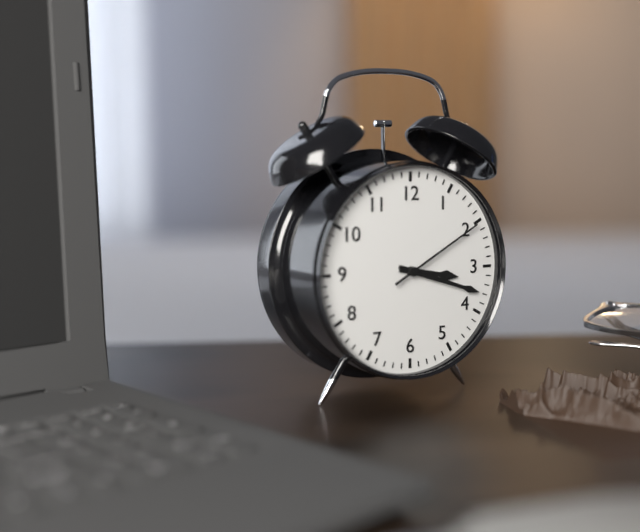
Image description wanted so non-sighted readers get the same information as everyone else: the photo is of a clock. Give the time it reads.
3:18:10
